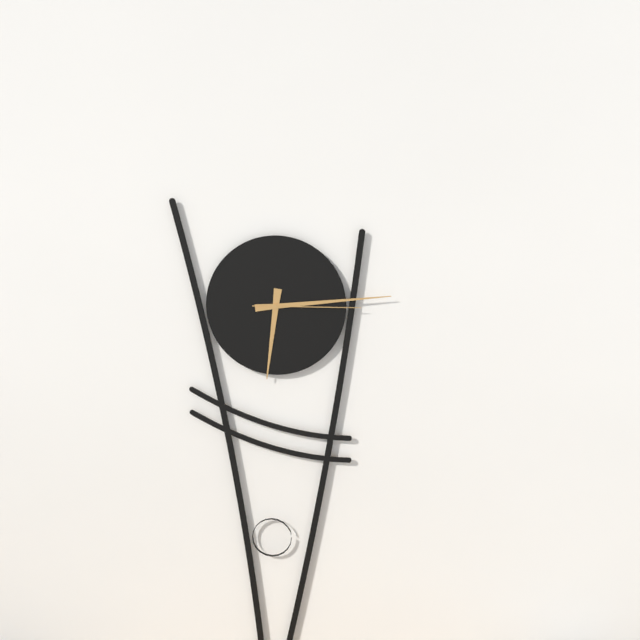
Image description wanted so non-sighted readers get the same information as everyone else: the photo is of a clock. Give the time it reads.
6:14:15
